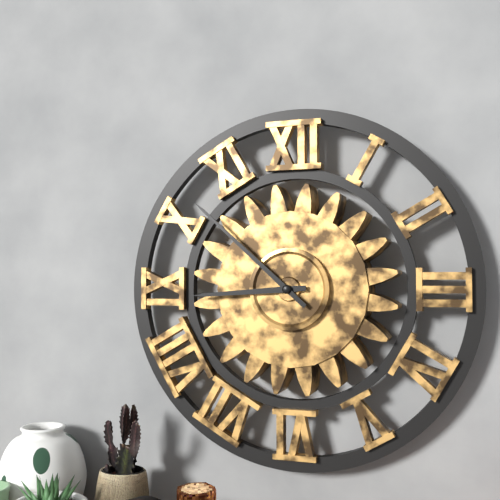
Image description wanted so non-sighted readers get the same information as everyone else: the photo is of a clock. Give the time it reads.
8:52
